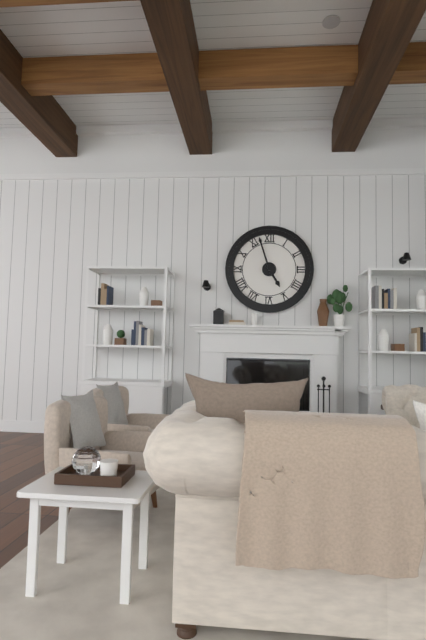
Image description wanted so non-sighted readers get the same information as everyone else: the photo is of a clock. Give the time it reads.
4:57
